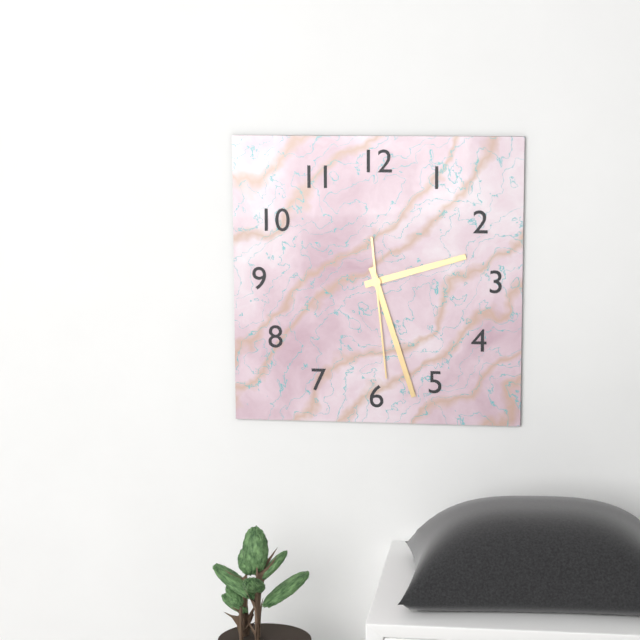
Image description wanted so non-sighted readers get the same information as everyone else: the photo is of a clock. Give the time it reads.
2:27:29
